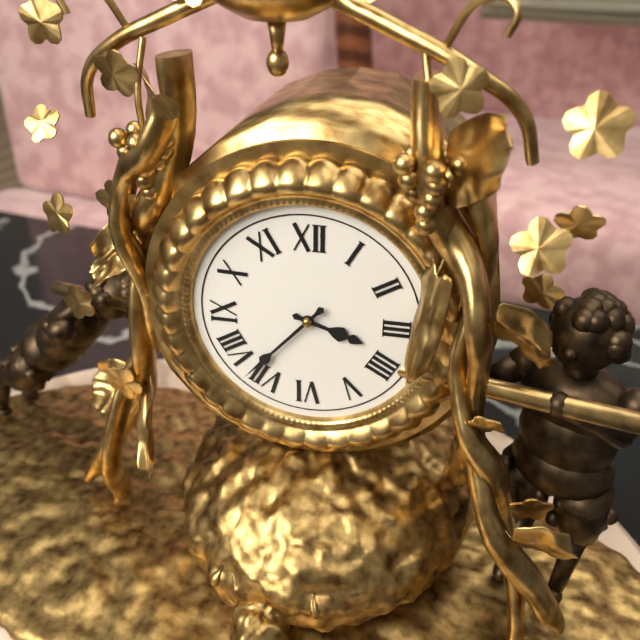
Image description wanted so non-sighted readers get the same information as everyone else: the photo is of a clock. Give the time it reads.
3:37
